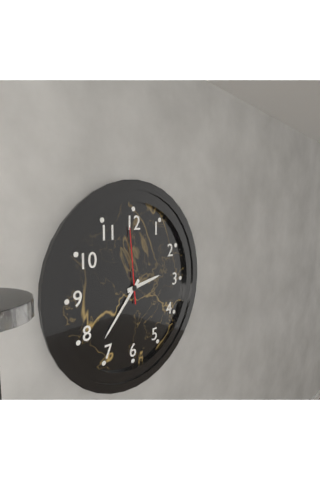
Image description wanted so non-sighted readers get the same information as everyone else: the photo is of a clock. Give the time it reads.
2:37:59
